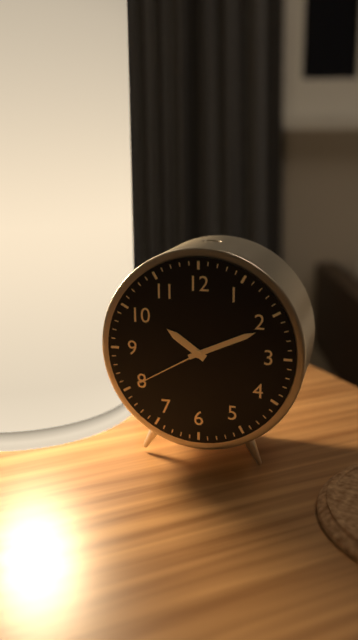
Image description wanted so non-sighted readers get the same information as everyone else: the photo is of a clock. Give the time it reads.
10:11:40
